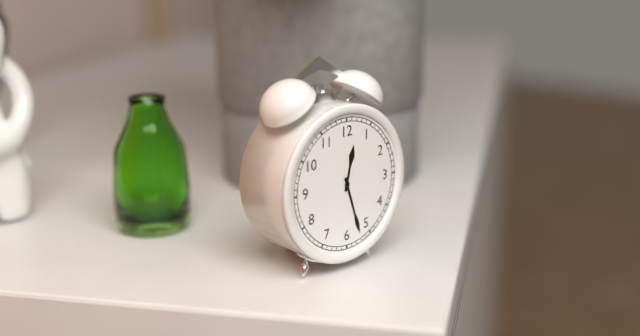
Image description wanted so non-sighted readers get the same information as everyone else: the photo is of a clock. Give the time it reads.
12:27
